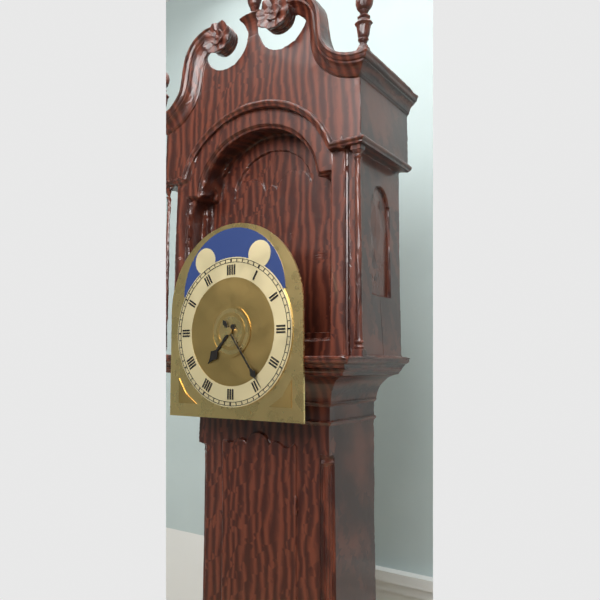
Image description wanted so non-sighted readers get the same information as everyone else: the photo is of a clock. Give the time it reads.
7:24
